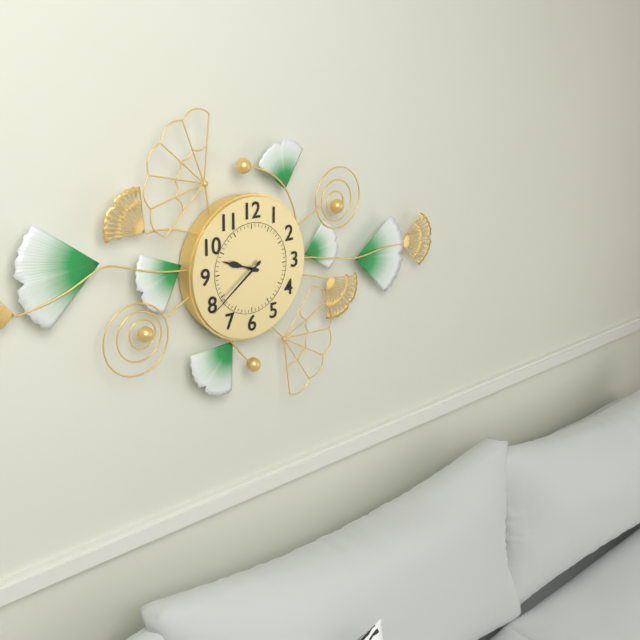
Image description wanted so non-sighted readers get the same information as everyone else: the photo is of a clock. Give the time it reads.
9:39
